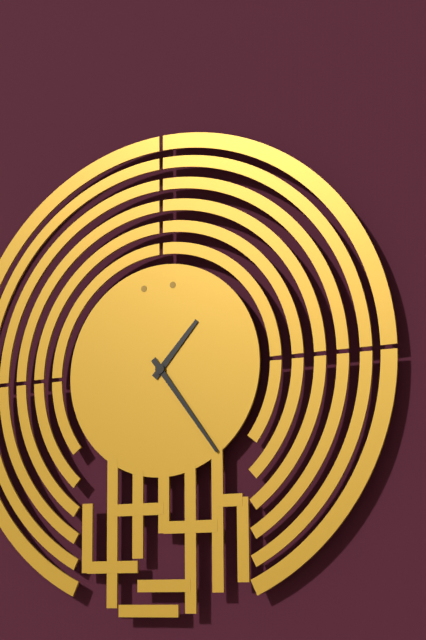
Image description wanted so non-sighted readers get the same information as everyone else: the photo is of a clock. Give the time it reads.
1:24
